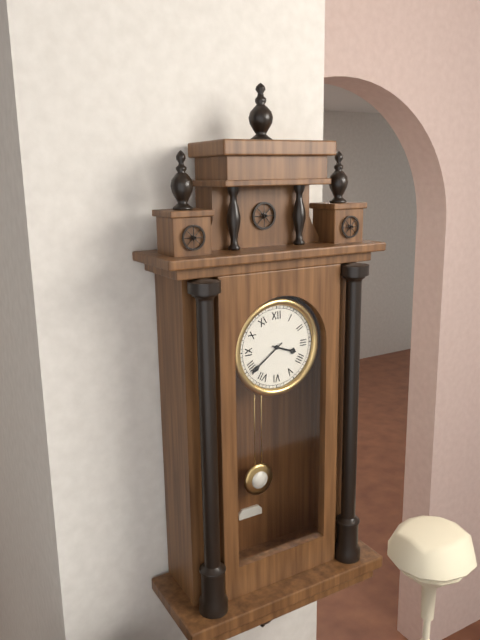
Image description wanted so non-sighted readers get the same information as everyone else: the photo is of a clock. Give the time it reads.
3:39
